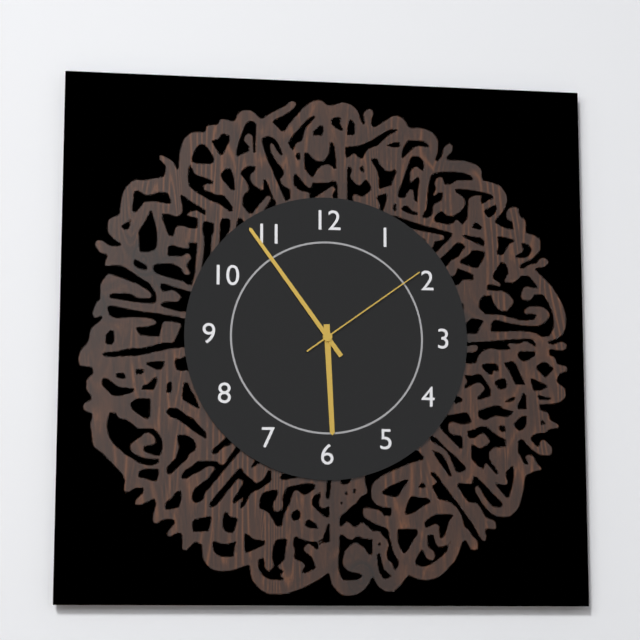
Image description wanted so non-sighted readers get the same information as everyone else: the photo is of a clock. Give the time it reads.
5:54:09
